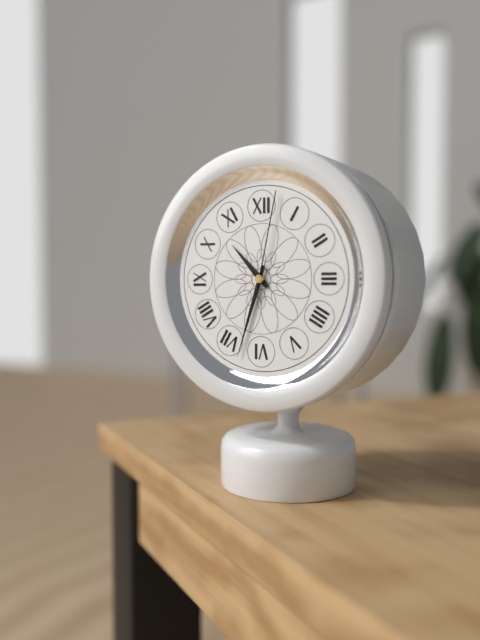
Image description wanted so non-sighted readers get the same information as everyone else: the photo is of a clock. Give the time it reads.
10:33:02
